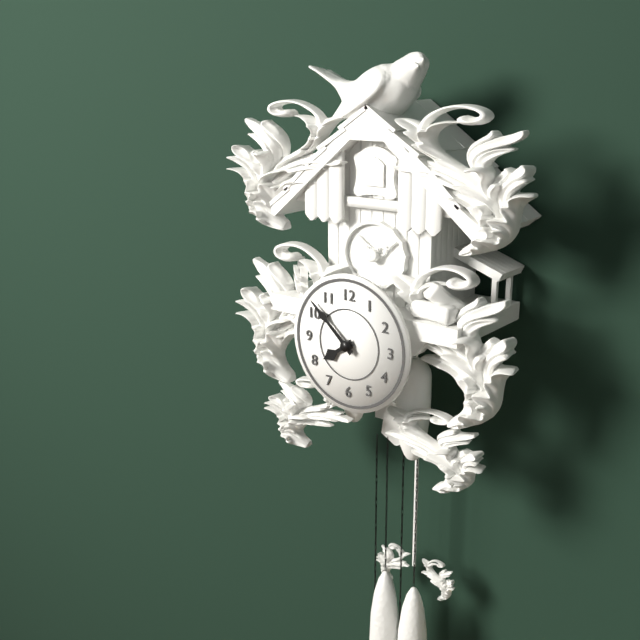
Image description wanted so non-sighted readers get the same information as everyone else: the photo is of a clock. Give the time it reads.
7:52
